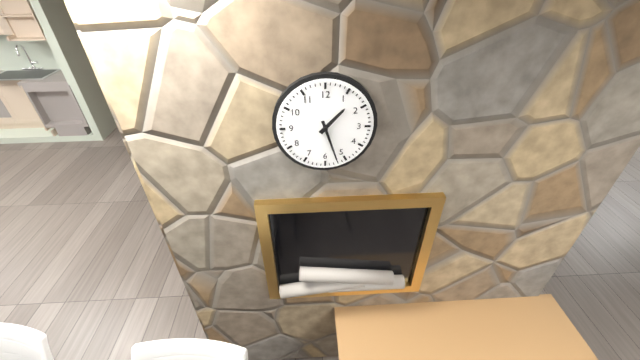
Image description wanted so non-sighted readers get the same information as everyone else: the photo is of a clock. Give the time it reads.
1:27
